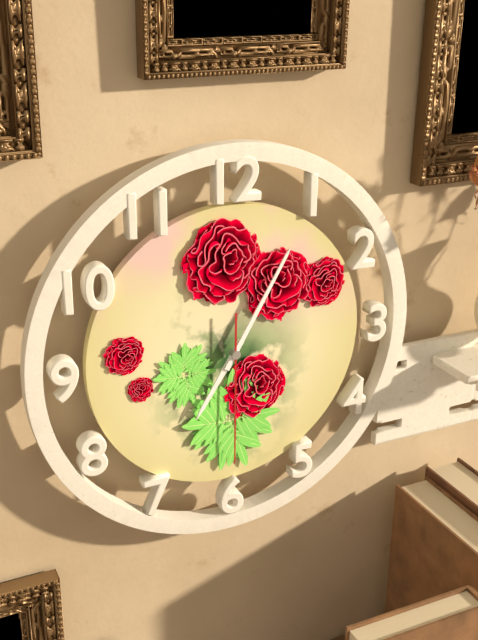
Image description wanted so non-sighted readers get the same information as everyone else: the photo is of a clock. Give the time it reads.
7:05:30
